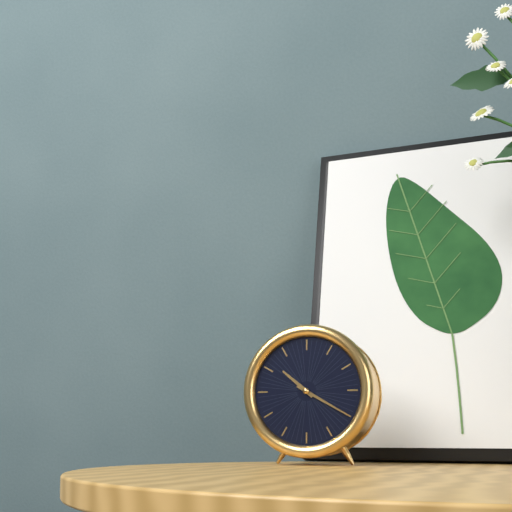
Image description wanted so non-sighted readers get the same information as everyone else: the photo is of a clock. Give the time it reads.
10:20
